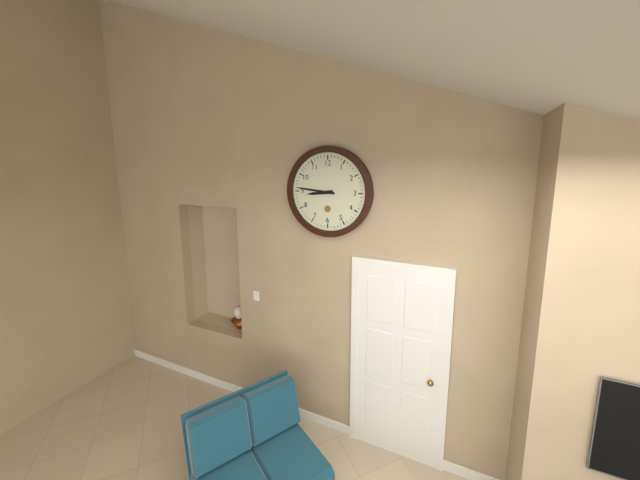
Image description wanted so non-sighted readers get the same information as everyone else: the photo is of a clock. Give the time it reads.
8:46
